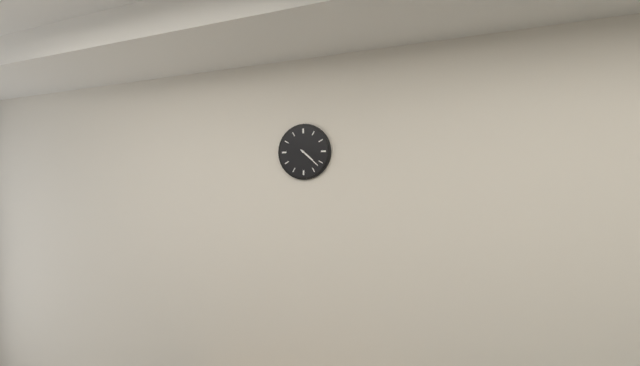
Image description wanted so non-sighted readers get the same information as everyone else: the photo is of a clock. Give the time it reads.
4:22
